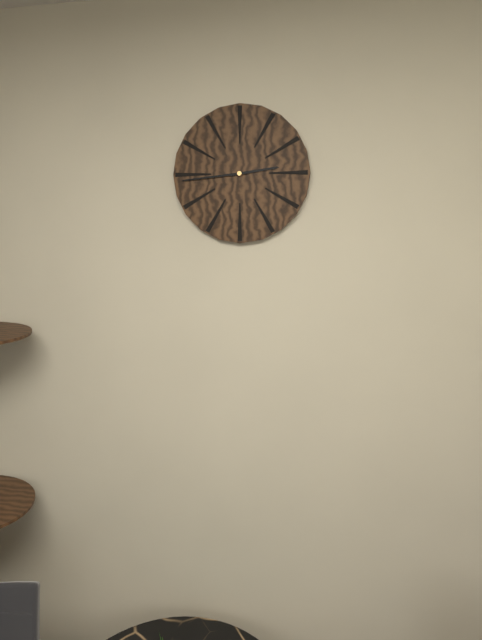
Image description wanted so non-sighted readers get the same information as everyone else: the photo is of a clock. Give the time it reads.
2:44
